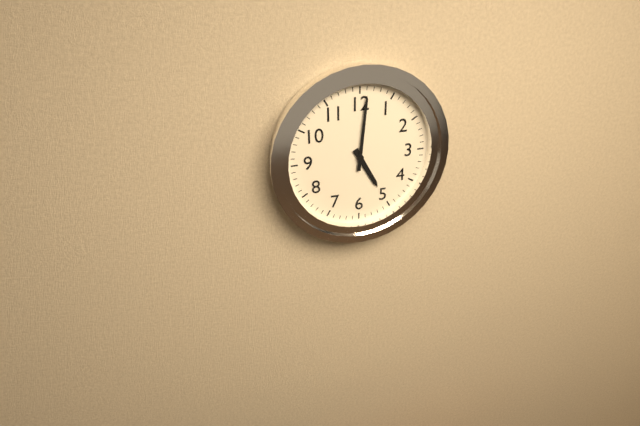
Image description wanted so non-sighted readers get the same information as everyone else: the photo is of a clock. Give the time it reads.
5:01
